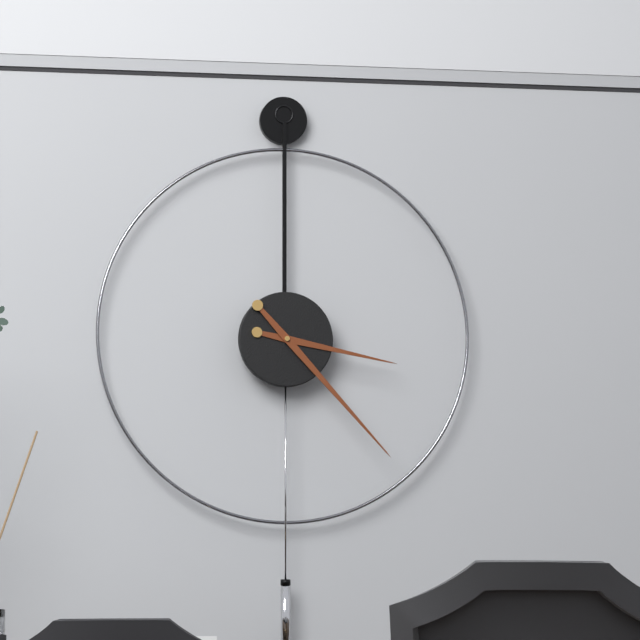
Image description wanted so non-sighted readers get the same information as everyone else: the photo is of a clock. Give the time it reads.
3:23
